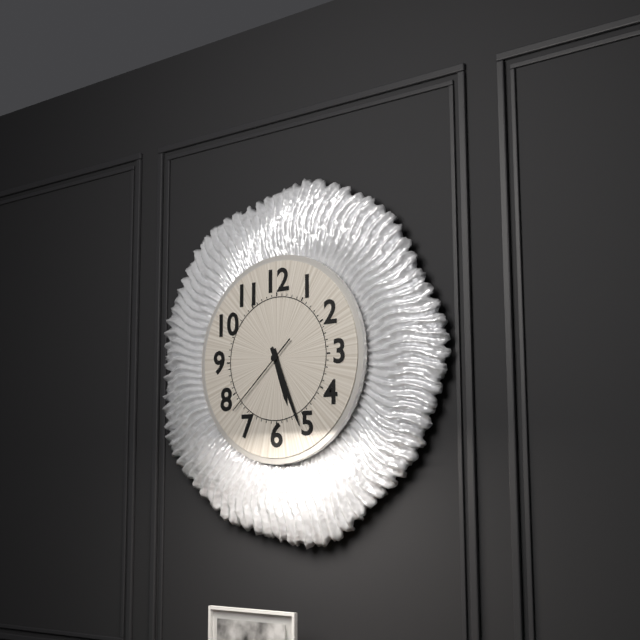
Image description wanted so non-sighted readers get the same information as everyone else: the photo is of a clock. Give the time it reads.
5:26:38
